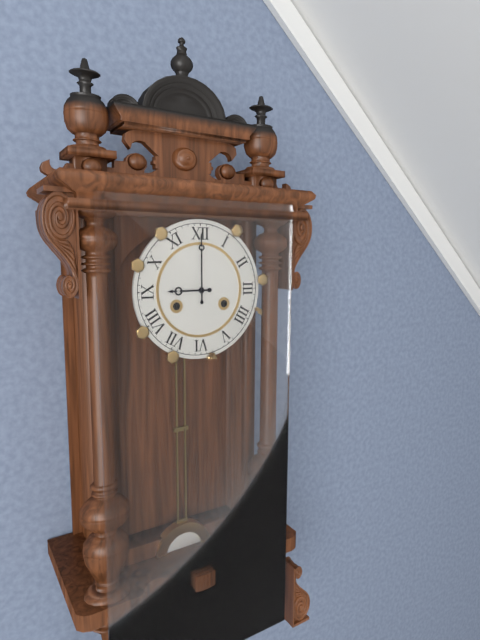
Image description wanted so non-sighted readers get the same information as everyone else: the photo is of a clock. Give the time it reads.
9:00
